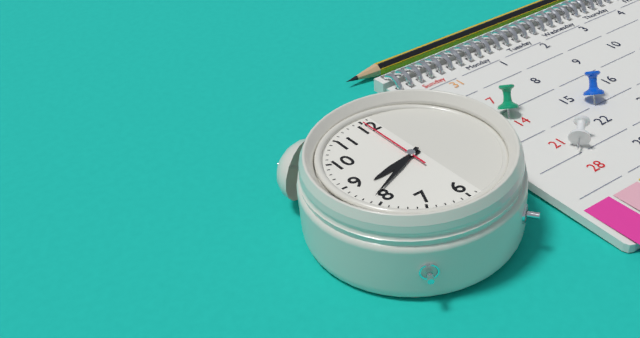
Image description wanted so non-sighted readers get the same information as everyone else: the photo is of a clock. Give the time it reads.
8:41:00
